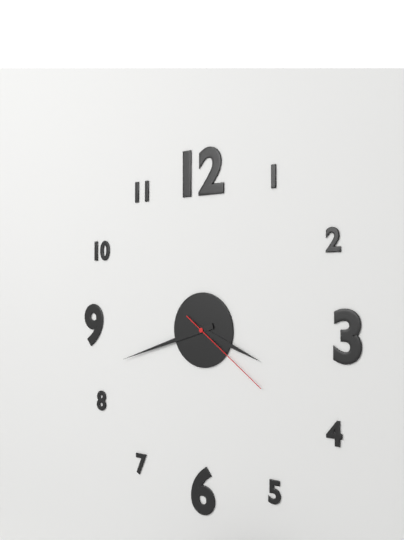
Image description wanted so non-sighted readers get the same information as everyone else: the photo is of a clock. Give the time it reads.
3:42:21
